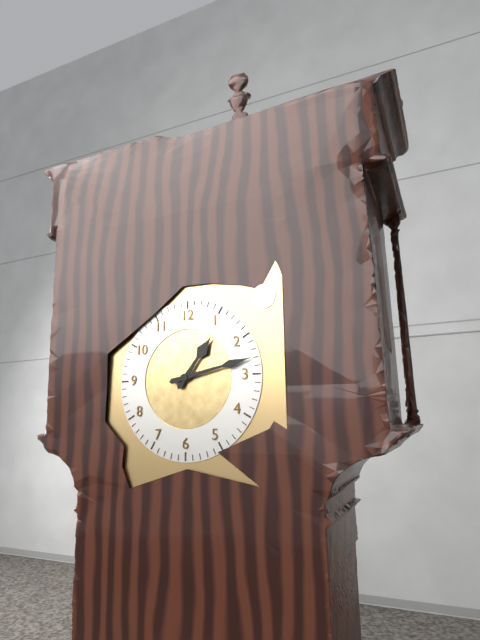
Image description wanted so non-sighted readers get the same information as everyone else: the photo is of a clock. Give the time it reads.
1:13
